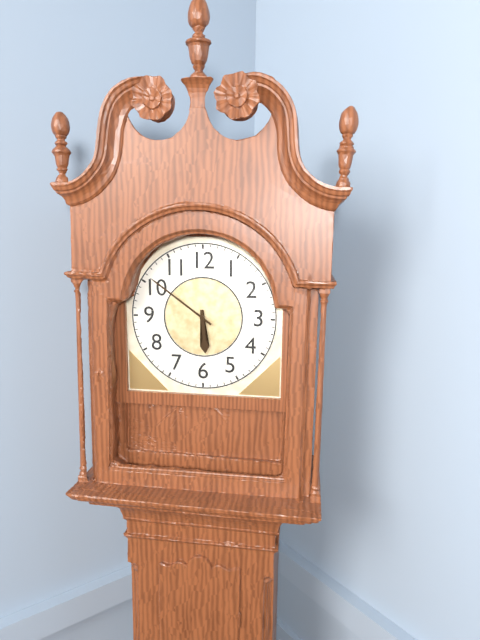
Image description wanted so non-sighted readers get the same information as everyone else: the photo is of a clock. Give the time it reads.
5:51
